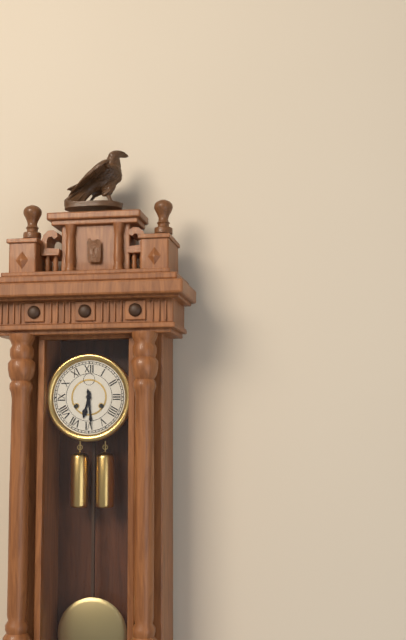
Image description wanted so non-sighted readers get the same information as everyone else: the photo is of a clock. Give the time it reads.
6:29
